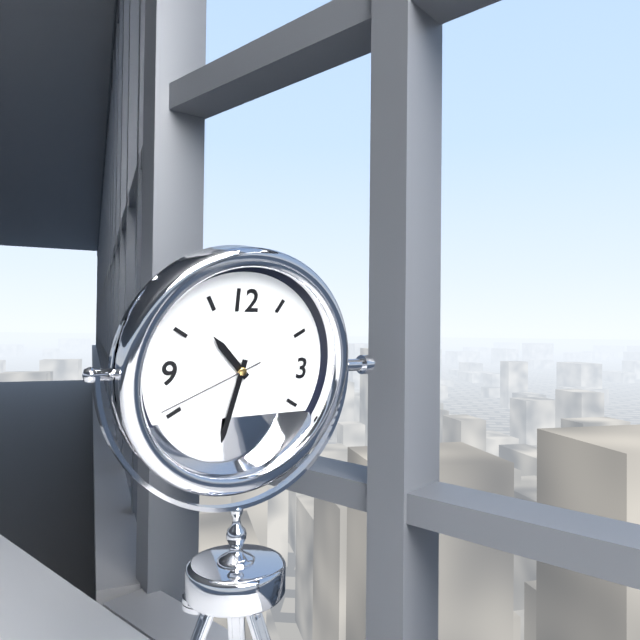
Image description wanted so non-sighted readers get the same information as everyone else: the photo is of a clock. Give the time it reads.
10:32:41
